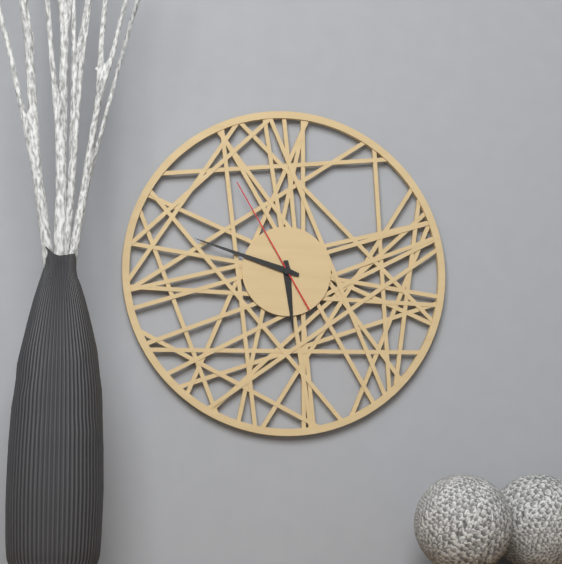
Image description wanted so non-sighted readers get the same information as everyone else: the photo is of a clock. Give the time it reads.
5:48:55
